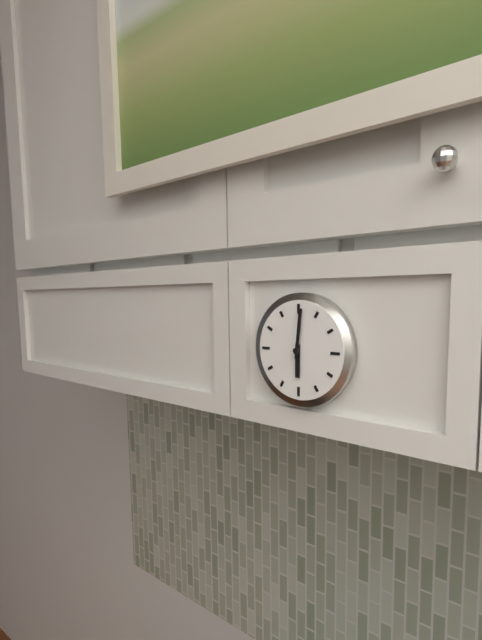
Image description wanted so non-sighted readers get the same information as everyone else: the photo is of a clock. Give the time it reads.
6:01
